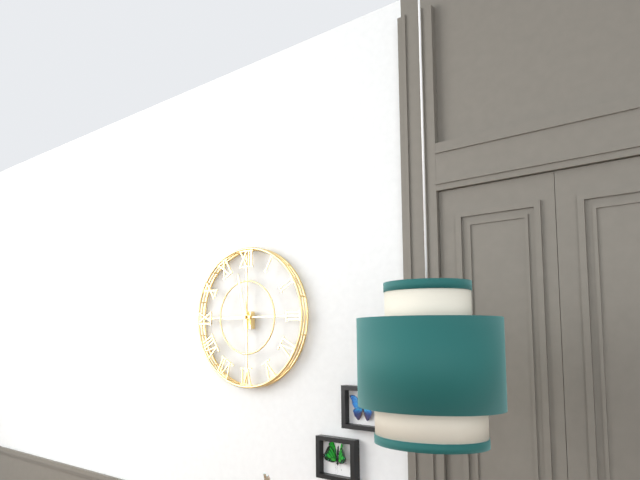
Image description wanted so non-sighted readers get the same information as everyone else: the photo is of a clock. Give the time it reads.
8:58
